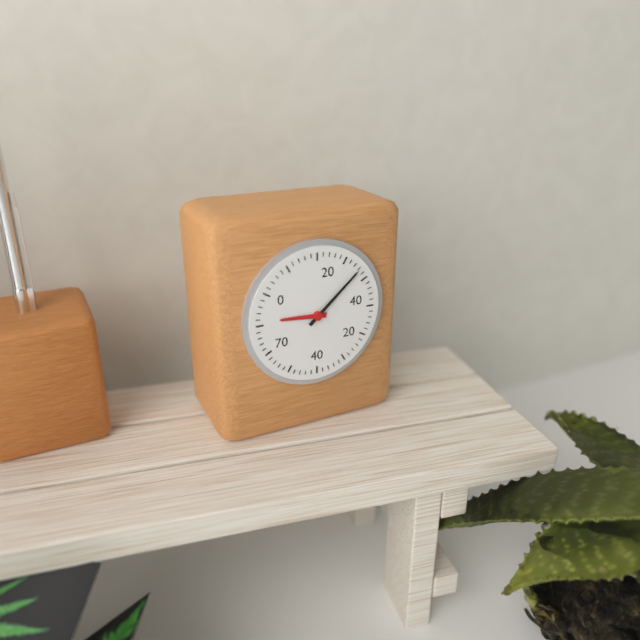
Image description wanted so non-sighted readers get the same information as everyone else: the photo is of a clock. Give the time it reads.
9:08
